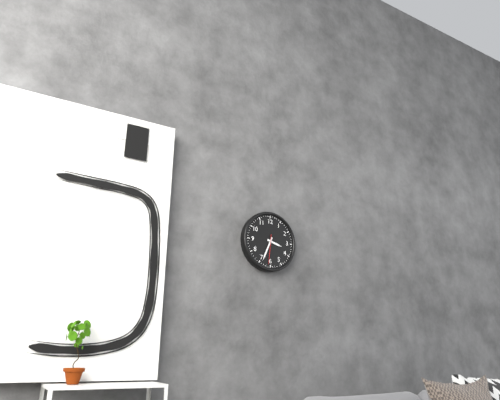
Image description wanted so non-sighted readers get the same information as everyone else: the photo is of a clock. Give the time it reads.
3:34
